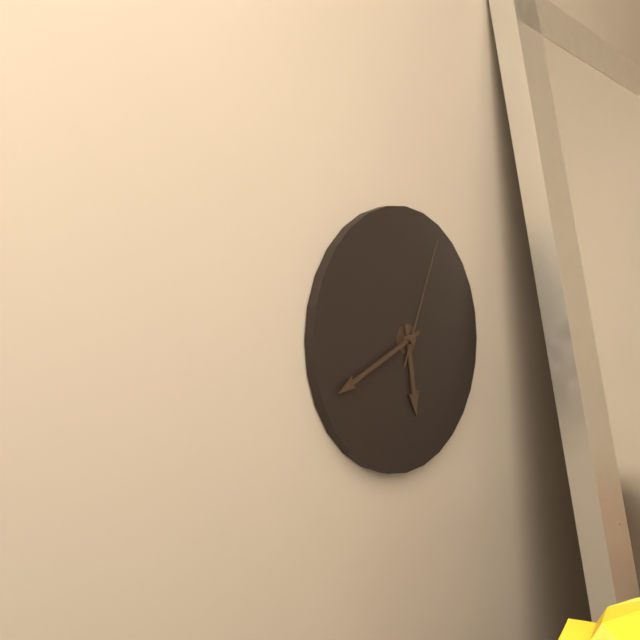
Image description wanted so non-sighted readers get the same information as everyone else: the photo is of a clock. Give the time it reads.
5:41:04
